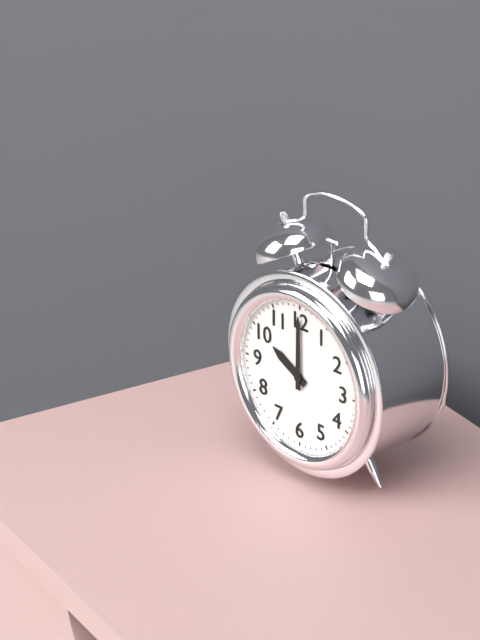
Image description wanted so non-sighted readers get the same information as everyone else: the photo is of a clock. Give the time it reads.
10:00
